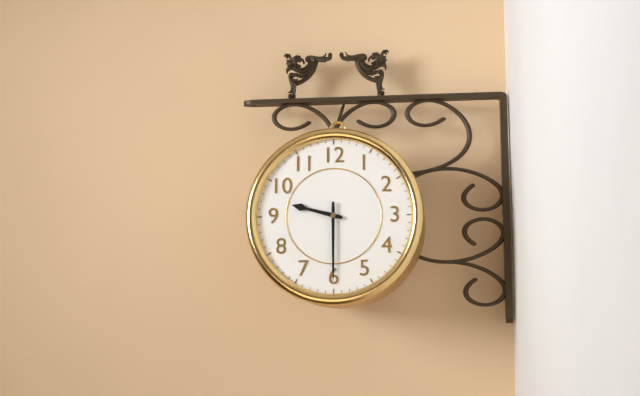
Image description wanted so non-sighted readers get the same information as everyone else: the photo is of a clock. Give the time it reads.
9:30
